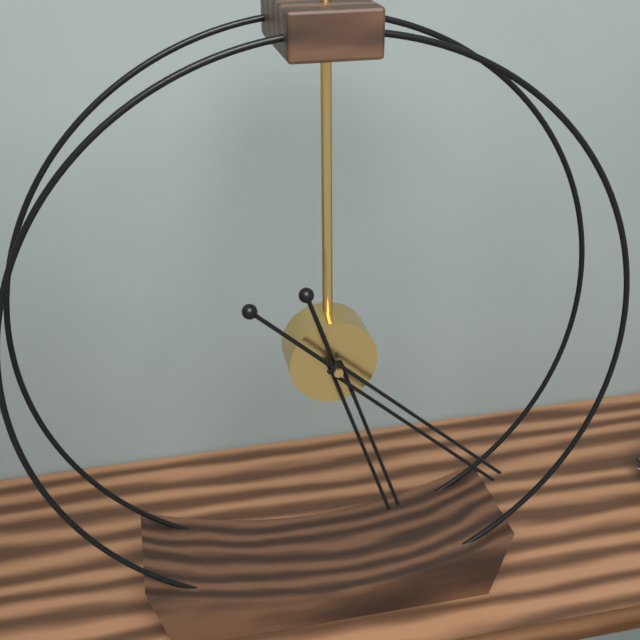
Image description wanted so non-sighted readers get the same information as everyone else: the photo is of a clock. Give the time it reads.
5:22
